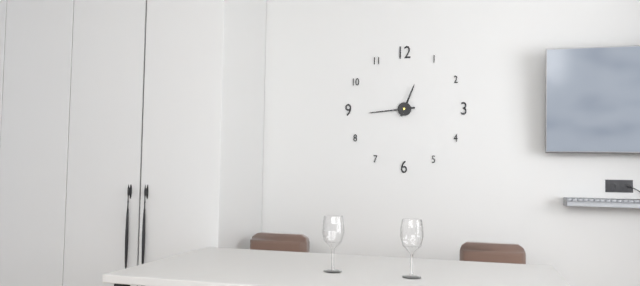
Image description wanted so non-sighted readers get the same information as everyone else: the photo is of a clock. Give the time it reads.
12:44
